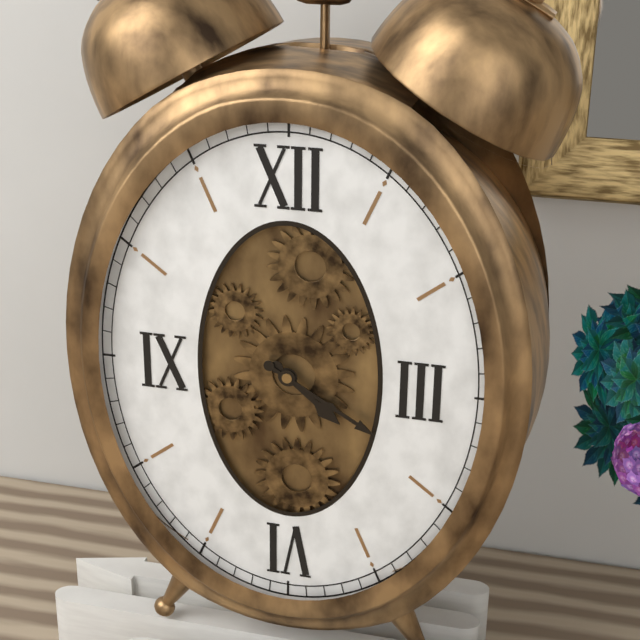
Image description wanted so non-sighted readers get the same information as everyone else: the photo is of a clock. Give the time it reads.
4:20
